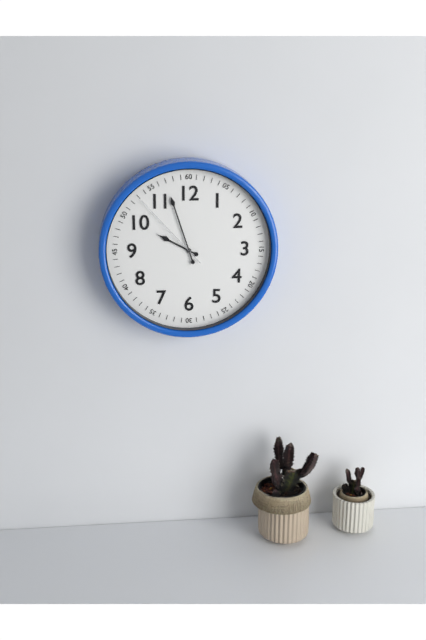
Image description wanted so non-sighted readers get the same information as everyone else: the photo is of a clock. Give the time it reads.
9:57:53
